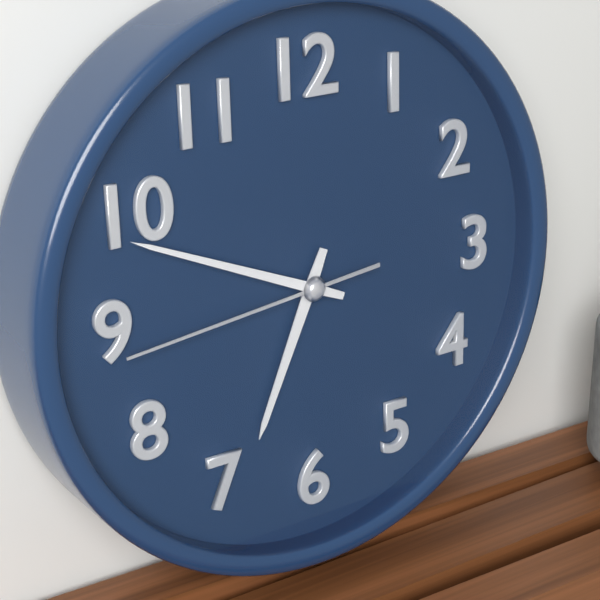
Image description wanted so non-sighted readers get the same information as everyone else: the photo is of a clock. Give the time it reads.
6:49:44
